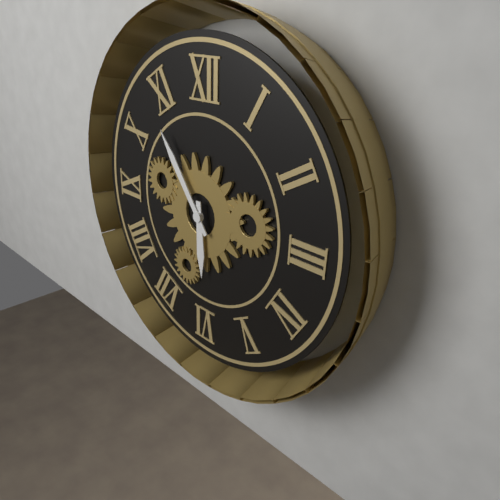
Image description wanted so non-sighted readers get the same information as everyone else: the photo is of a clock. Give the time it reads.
5:54
